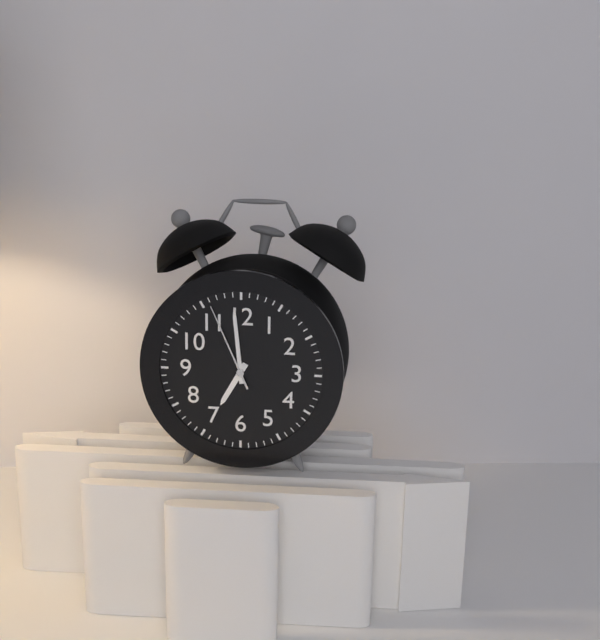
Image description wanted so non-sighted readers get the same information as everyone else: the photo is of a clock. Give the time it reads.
6:59:56
